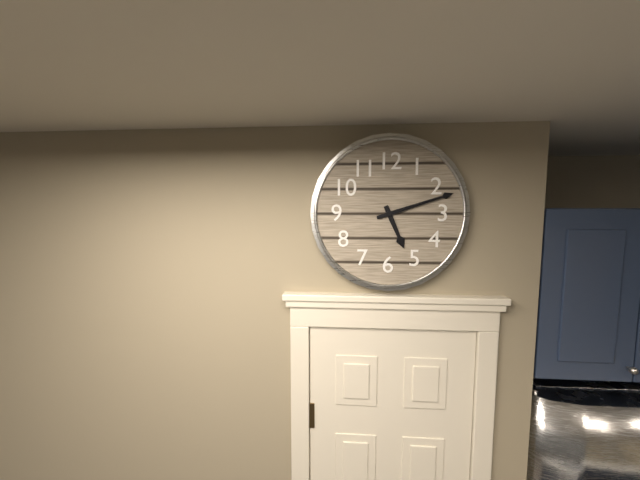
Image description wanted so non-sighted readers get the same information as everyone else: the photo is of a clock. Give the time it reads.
5:12
